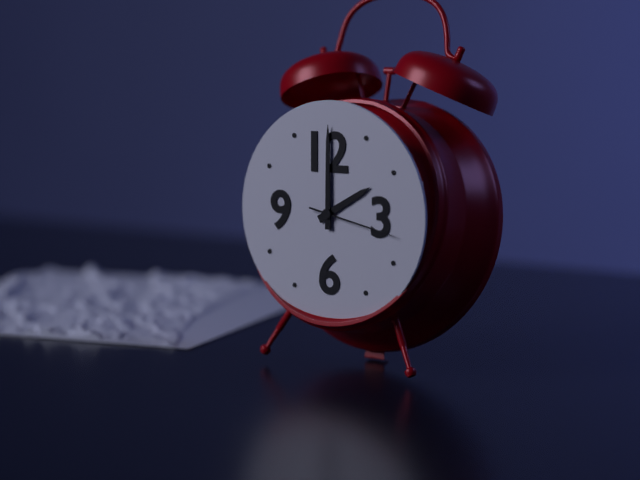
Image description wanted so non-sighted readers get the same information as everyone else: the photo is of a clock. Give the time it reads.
2:00:17
